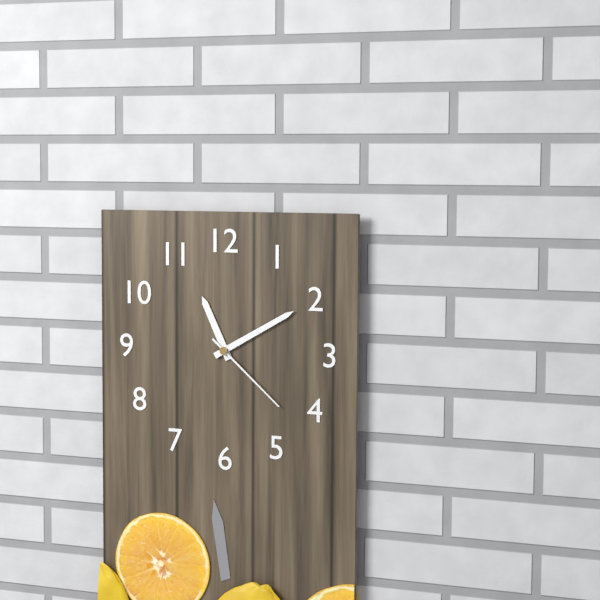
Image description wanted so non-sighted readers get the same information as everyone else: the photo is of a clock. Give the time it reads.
11:10:22
